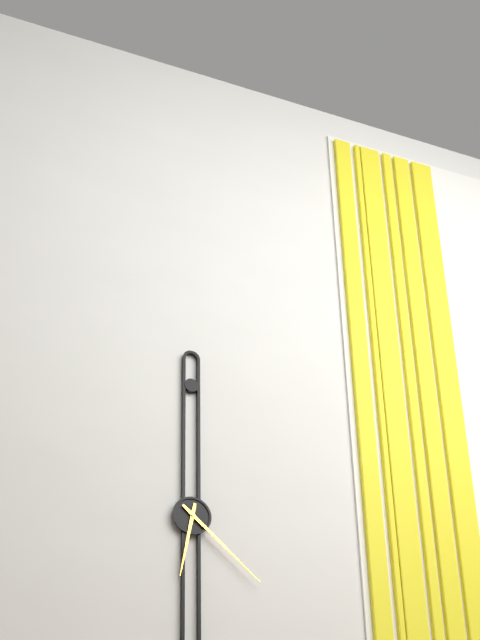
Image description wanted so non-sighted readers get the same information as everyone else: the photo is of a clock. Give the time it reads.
6:22
